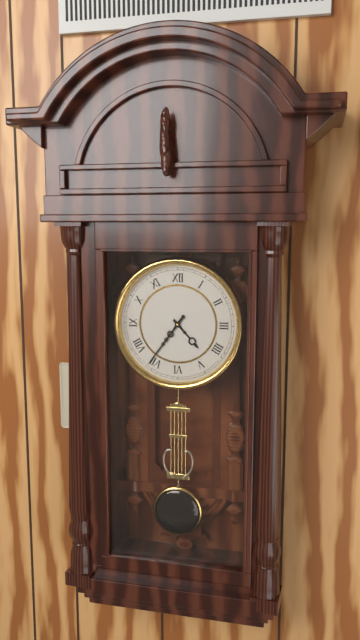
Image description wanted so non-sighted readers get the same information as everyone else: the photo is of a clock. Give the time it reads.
4:36
